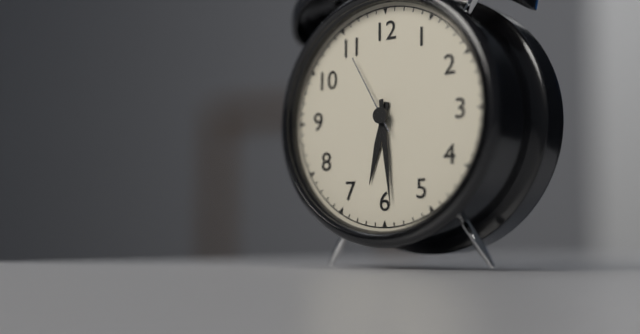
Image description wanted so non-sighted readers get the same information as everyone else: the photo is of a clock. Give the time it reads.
6:29:55
